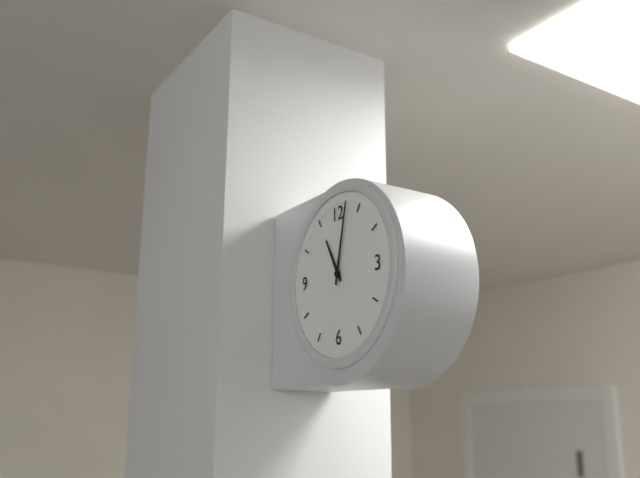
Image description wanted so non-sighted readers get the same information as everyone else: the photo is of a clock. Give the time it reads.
11:02
